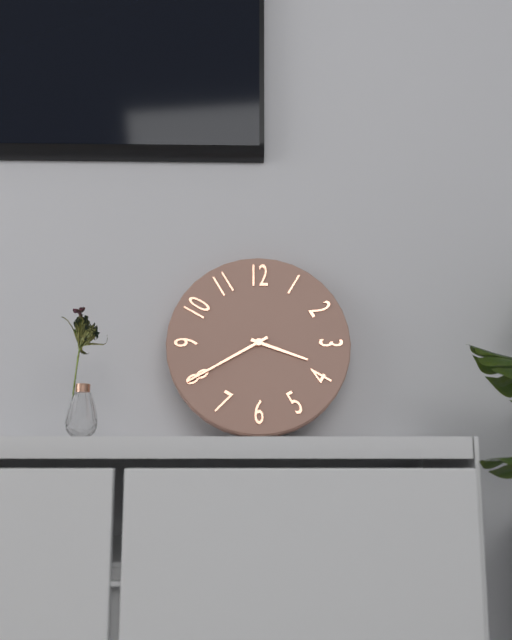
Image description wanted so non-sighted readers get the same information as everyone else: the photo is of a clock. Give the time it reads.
3:40
